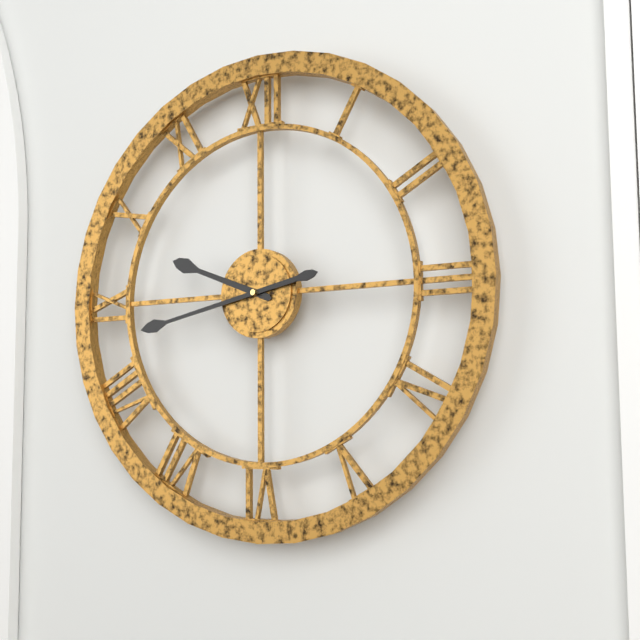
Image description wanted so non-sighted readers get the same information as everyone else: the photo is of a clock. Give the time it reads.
9:43
